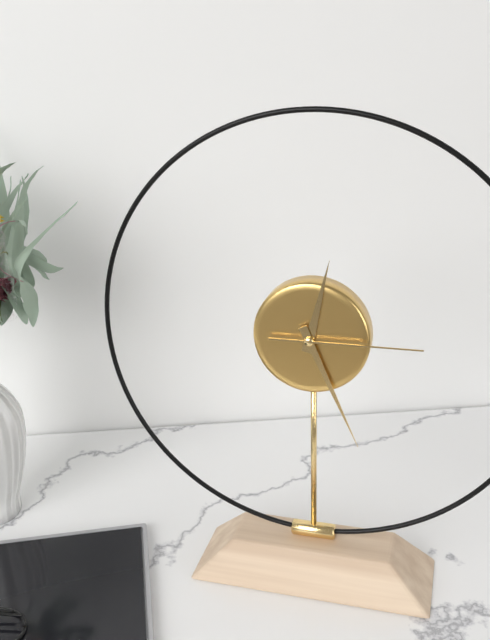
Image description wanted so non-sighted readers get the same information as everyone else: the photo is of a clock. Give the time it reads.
12:26:15
